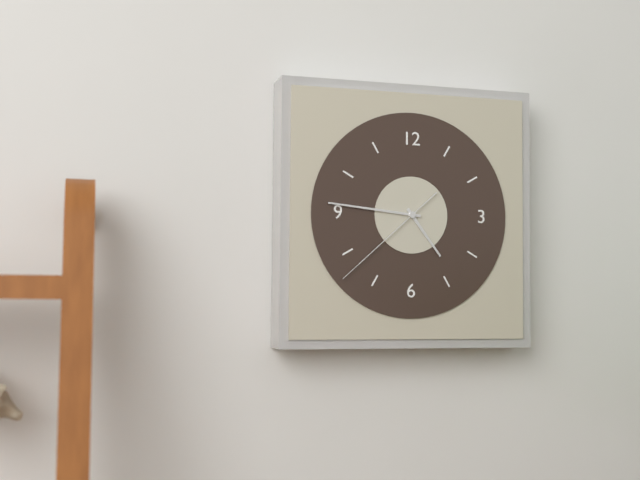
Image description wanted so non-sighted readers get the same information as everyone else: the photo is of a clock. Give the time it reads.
4:46:38
